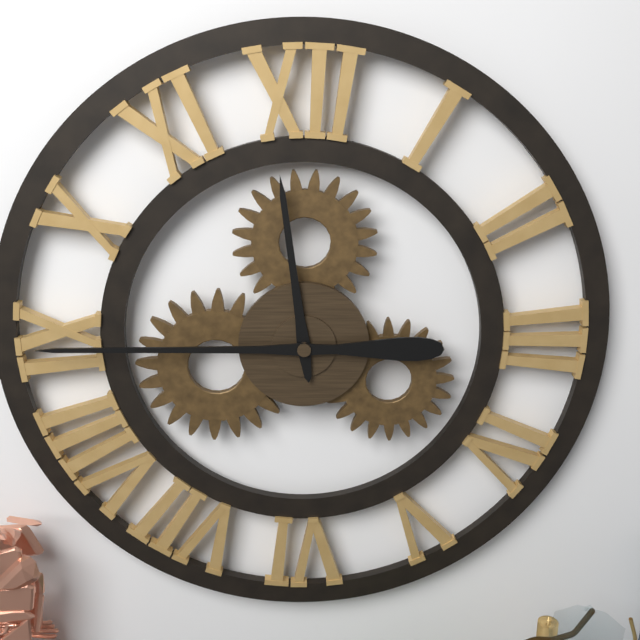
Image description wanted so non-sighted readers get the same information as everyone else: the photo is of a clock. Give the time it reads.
11:45
